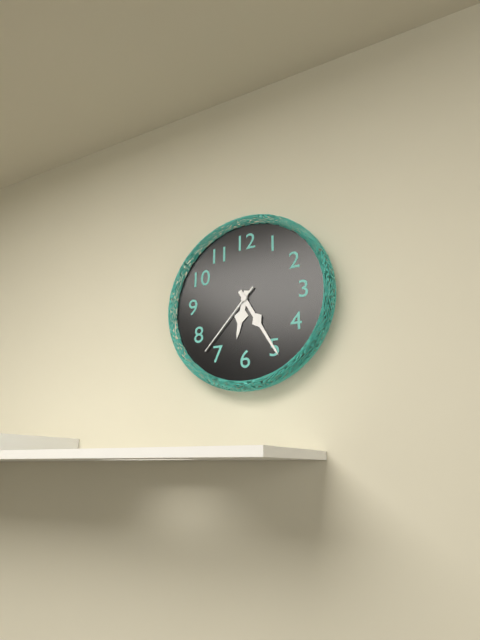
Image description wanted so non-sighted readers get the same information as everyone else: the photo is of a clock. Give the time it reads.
6:25:37
